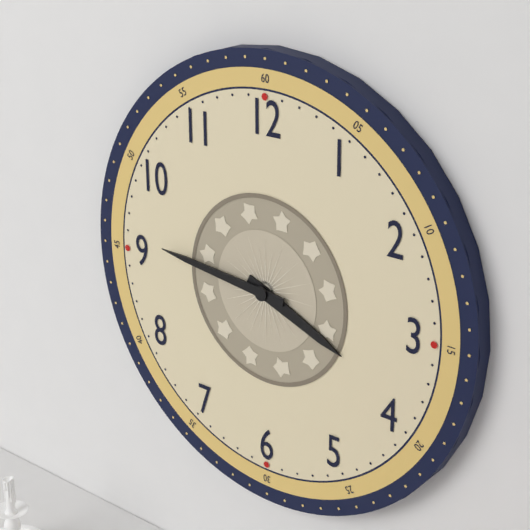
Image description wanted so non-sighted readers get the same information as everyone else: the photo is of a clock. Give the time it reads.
3:46
